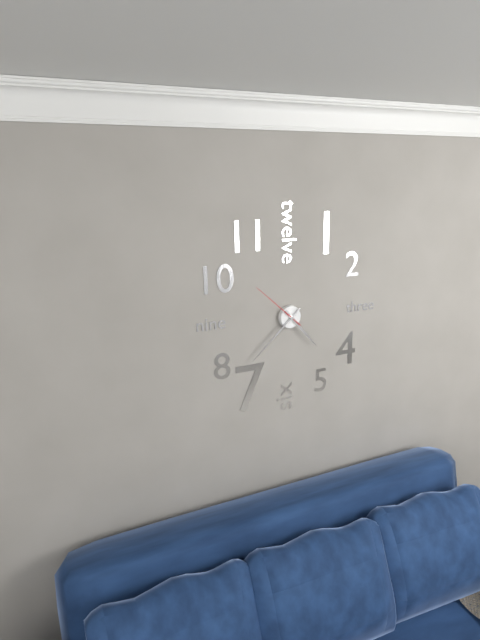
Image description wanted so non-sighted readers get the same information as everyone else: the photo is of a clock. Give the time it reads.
4:38:52
